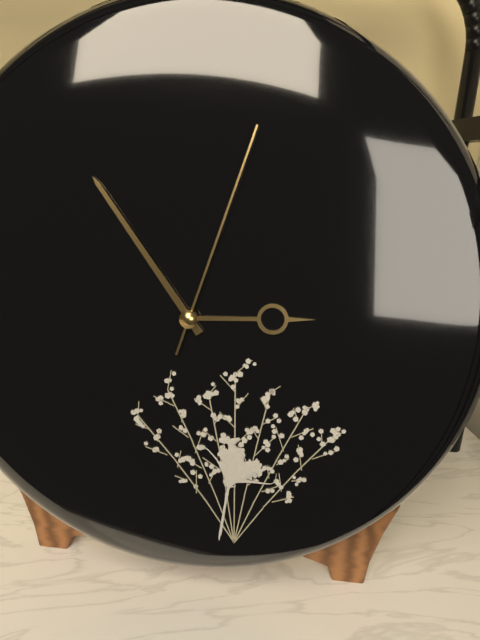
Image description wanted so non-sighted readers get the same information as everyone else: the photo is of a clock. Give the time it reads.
2:54:03
